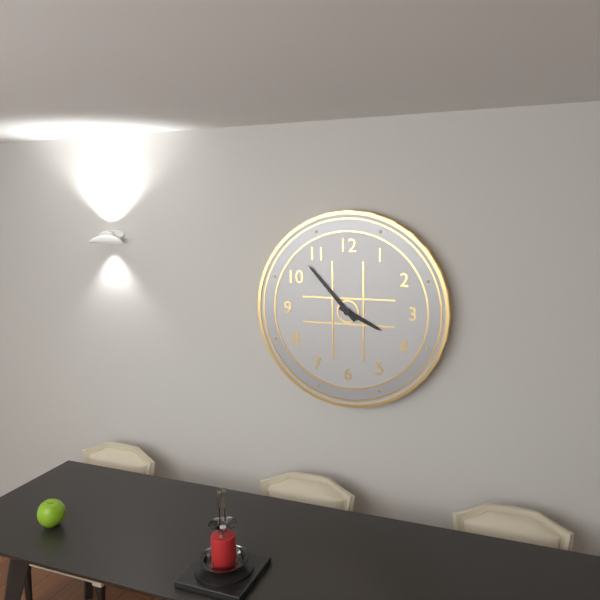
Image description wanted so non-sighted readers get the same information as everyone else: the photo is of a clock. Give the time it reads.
3:53
